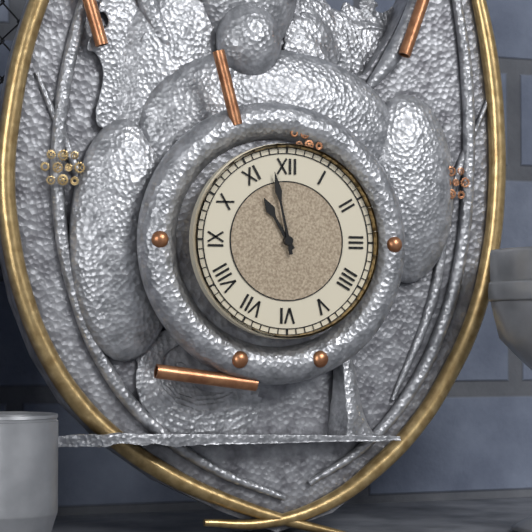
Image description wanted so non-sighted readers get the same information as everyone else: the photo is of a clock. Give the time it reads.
10:58
